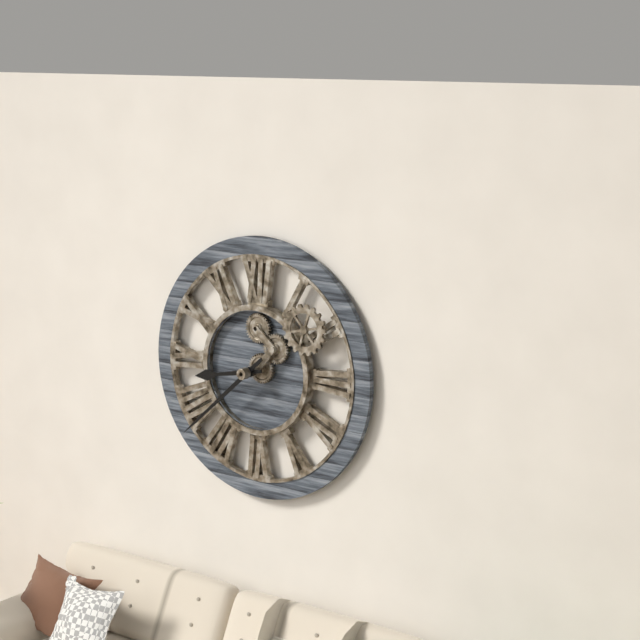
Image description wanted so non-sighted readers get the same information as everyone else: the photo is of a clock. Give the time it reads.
8:38
